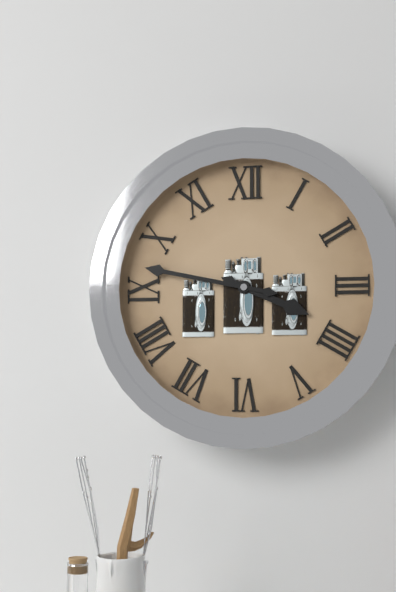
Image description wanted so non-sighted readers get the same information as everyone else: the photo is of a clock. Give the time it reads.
3:47
